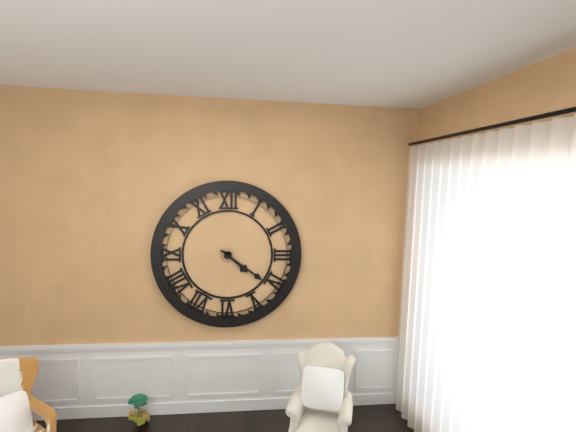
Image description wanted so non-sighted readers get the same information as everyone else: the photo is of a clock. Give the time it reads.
4:21
